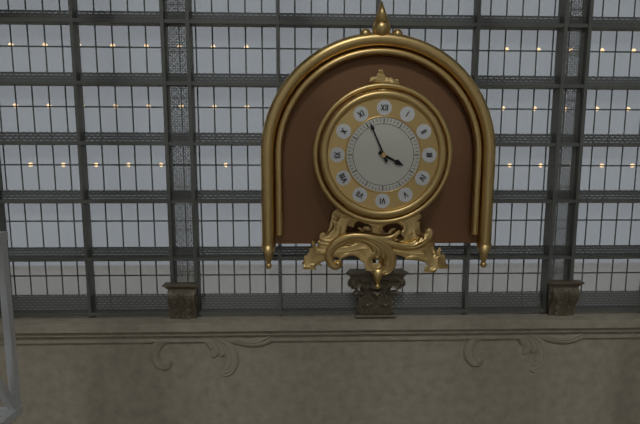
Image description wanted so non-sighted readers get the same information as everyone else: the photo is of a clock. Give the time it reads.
3:56
